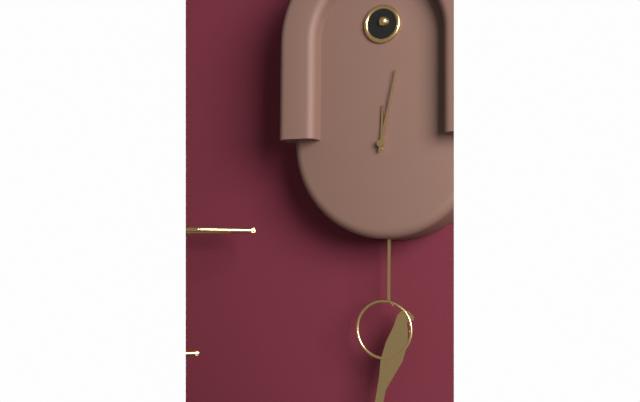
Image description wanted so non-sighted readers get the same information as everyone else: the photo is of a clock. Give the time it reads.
12:02
